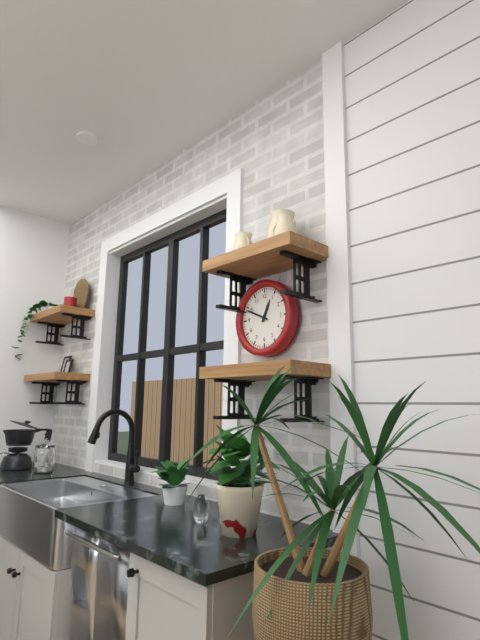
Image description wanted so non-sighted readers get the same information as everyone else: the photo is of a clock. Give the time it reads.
12:49
